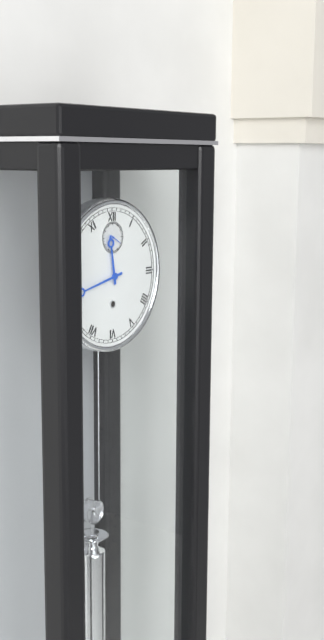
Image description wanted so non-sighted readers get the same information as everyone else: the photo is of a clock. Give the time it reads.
11:43
